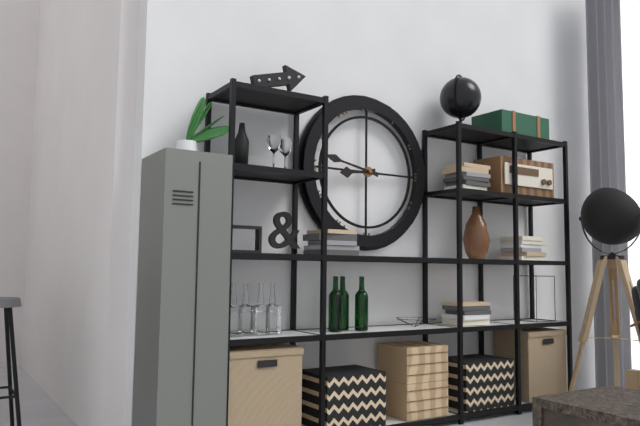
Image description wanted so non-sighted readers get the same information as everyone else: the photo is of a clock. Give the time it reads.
8:47
